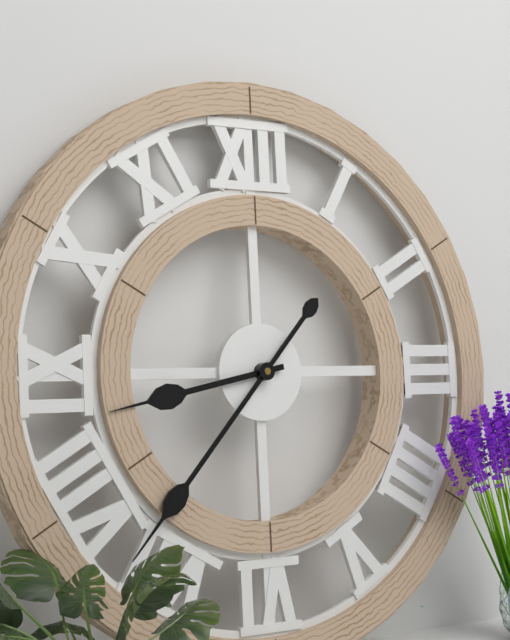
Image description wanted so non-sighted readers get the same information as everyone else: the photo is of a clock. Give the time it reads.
8:37
